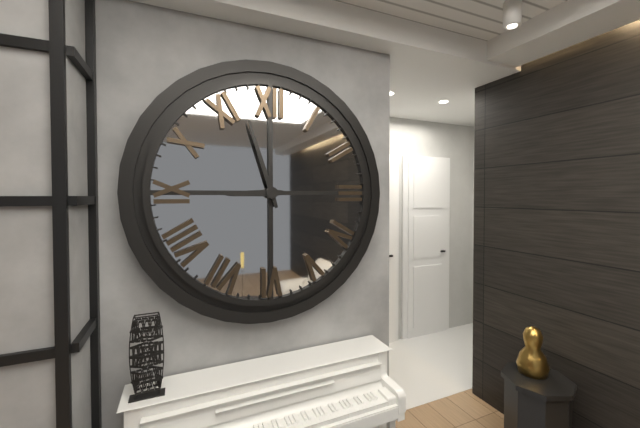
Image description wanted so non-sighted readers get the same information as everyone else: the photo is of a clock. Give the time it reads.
8:57
